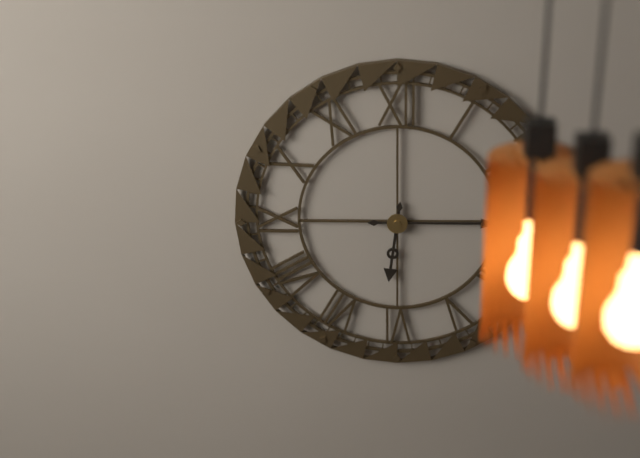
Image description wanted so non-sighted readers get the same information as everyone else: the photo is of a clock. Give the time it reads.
6:15
